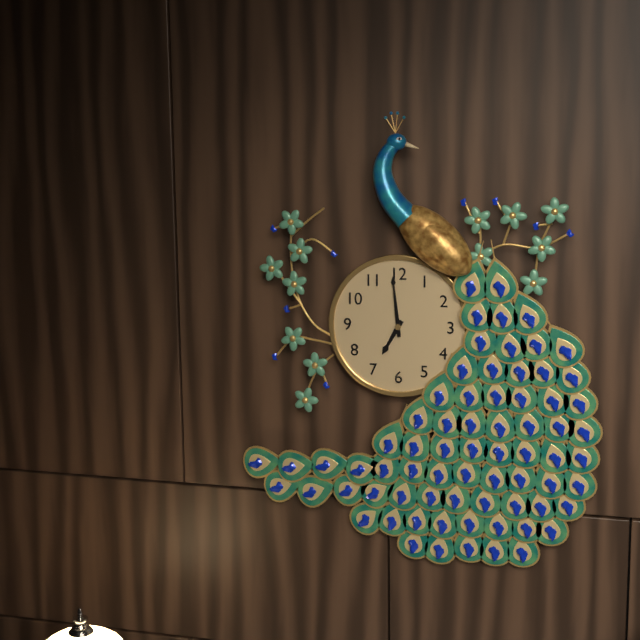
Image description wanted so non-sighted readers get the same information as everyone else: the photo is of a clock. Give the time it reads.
6:59
